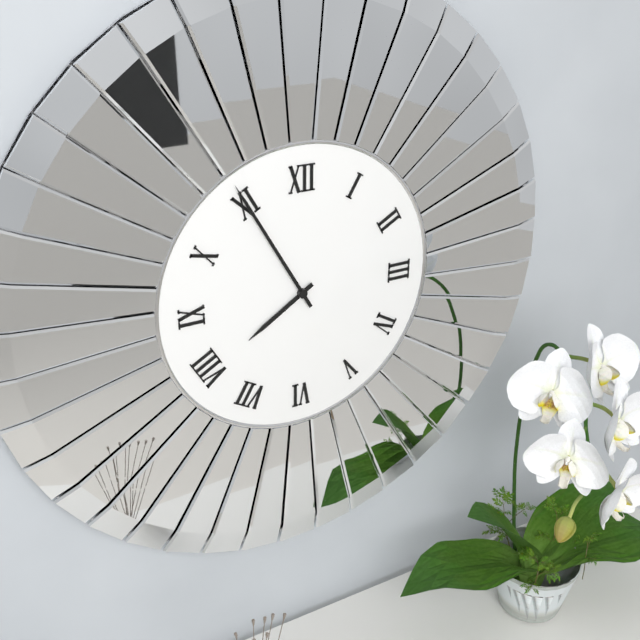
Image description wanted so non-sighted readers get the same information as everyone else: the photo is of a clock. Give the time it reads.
7:55
